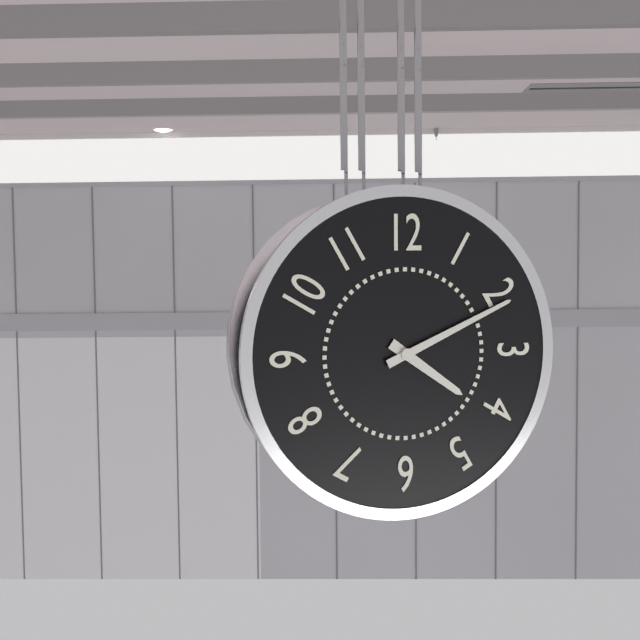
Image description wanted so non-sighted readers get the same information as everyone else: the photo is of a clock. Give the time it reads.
4:11
